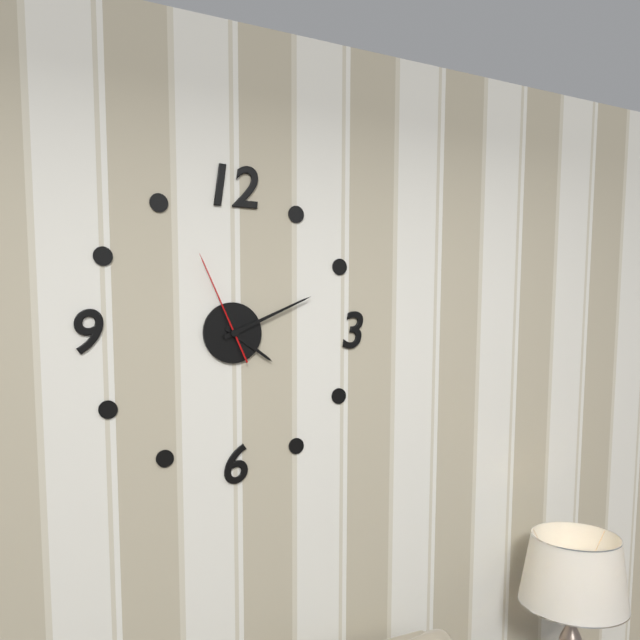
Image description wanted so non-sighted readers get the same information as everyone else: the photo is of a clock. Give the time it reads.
4:11:56
